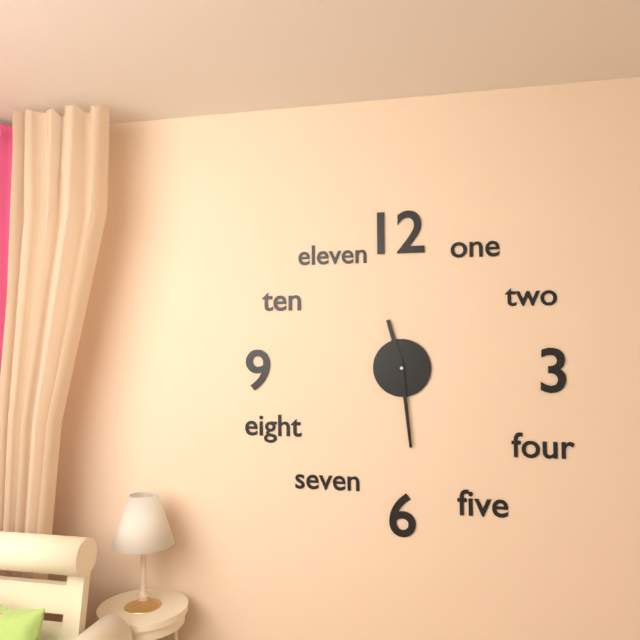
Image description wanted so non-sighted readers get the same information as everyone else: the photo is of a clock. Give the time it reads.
11:29
